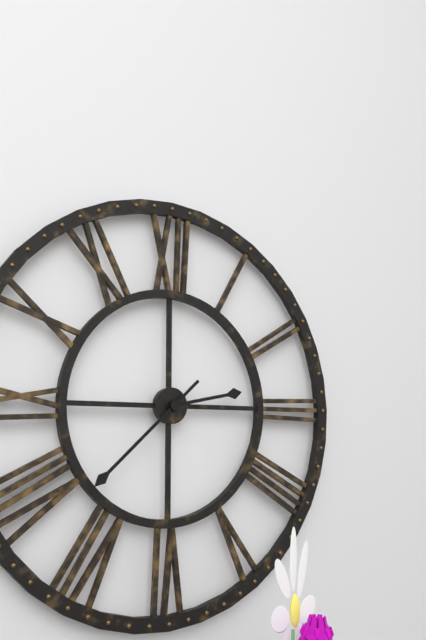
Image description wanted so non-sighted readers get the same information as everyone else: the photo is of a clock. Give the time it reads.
2:38
